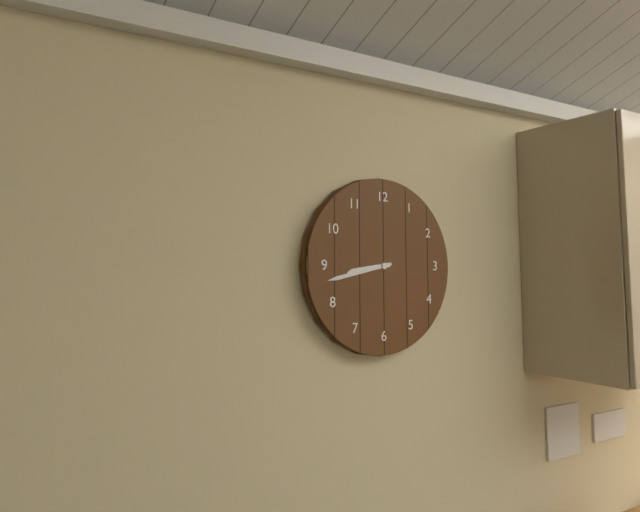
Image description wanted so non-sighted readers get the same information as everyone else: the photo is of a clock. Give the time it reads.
8:43
